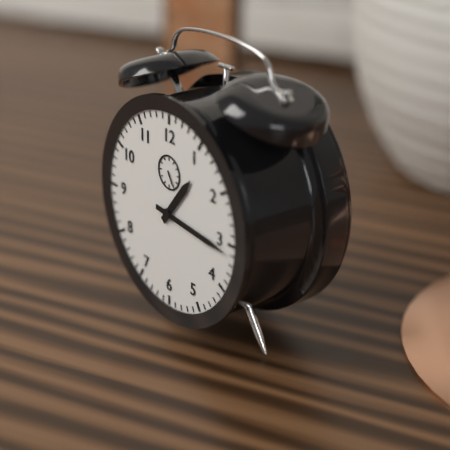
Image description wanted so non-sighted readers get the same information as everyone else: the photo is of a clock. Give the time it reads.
1:16
